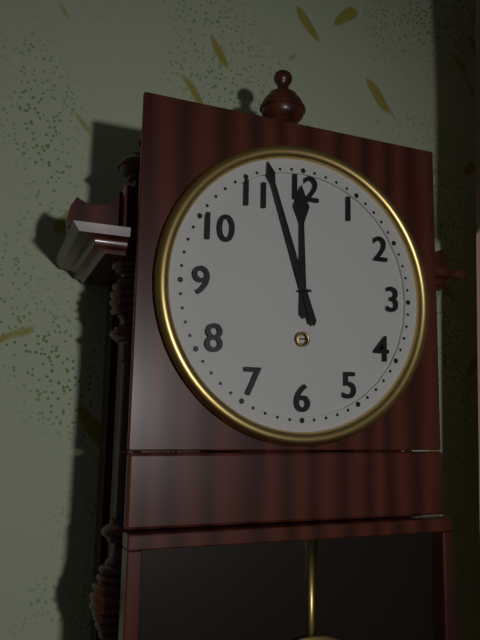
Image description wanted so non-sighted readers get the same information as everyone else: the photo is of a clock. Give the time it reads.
11:57
